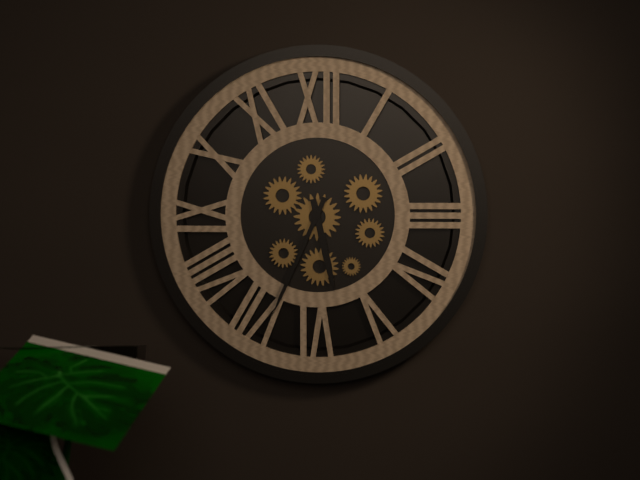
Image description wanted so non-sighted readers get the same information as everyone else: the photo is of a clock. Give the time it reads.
5:34
